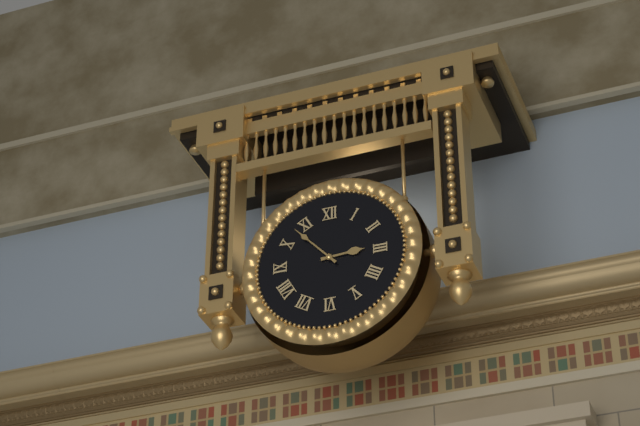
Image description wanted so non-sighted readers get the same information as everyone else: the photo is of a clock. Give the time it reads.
2:53
